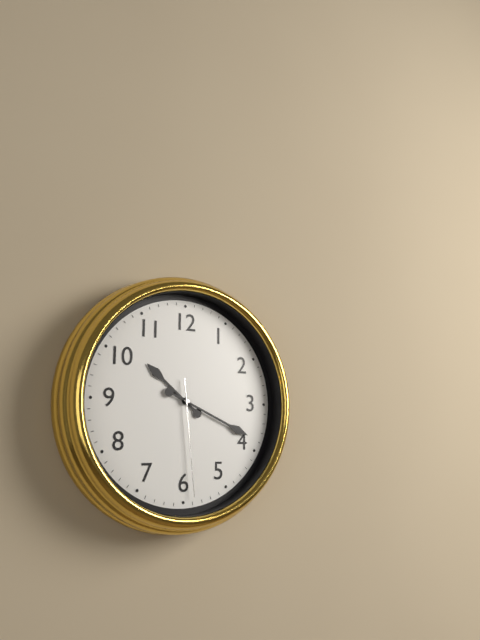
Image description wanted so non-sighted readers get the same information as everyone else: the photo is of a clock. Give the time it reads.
10:19:29
